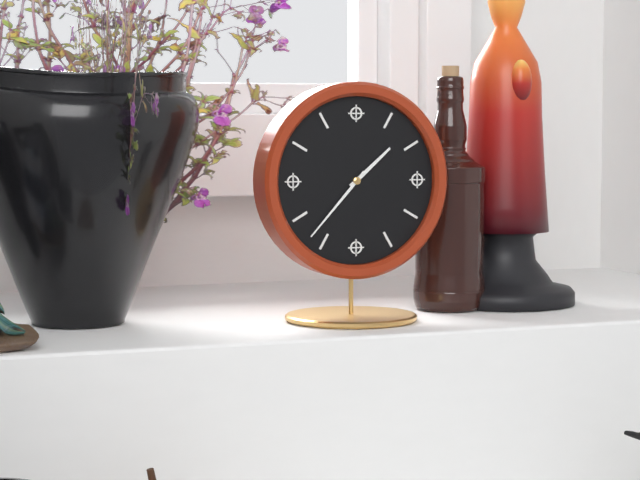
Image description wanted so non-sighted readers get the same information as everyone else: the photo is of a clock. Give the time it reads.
1:37
